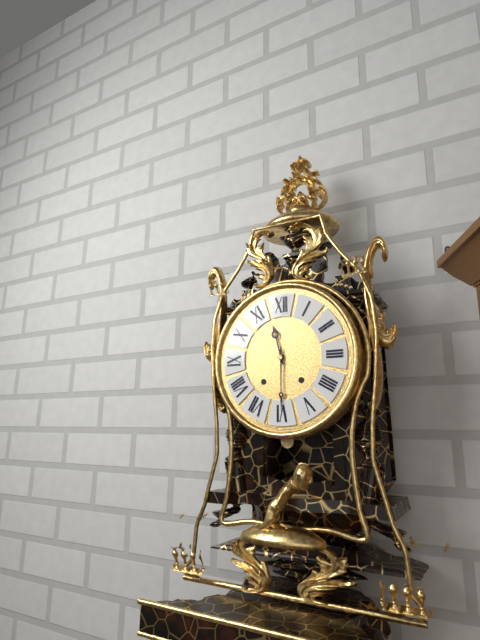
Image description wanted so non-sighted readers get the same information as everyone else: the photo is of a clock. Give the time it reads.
11:30
